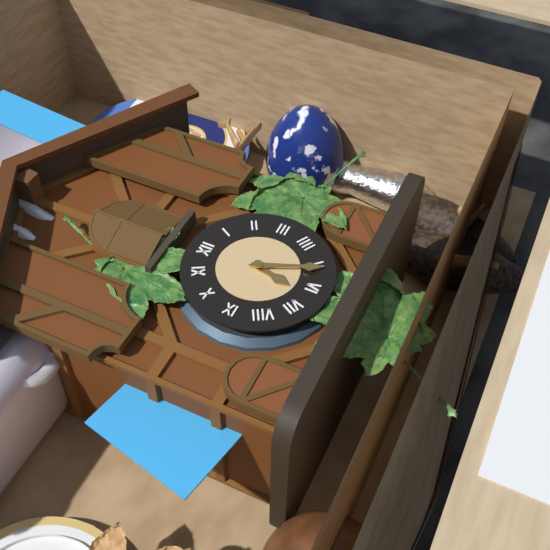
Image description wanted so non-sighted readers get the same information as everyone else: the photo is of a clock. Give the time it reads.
6:26
